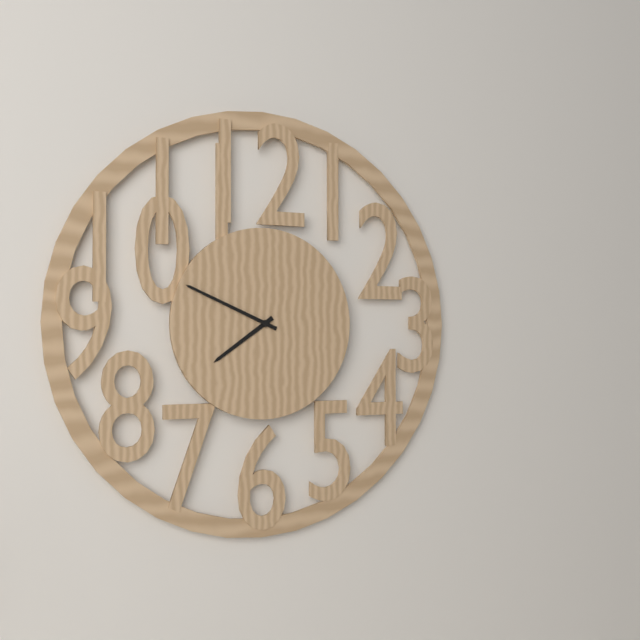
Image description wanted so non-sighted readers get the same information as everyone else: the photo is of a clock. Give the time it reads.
7:49
